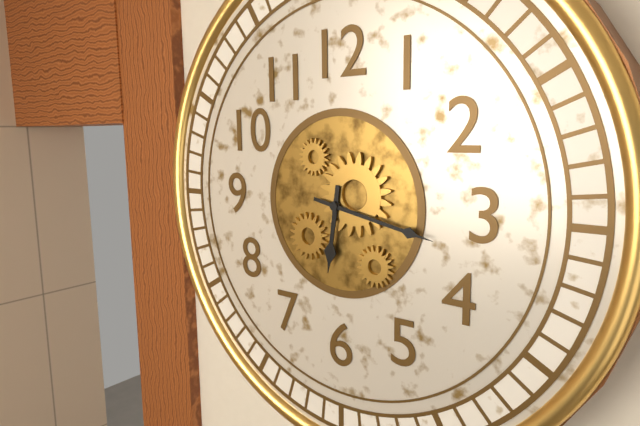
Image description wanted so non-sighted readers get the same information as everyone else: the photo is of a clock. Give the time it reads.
6:17
